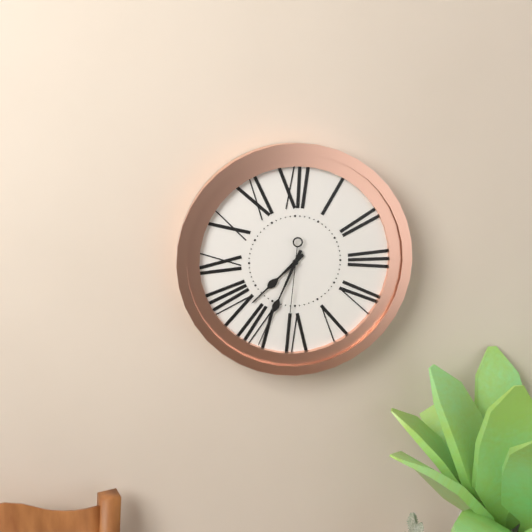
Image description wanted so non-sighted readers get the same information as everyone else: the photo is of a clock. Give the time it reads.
7:34:31
